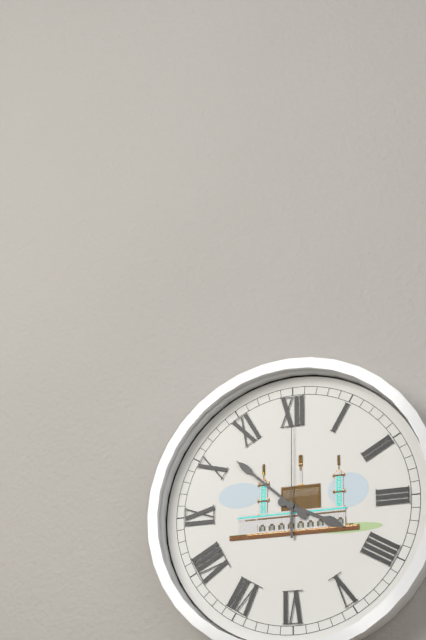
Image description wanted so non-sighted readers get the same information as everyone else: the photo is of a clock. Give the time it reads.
3:52:00
